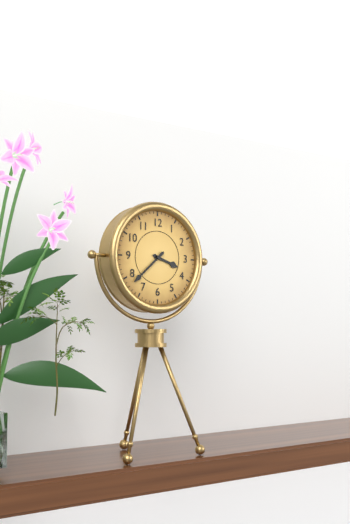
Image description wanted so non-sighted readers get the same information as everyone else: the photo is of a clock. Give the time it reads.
3:38
